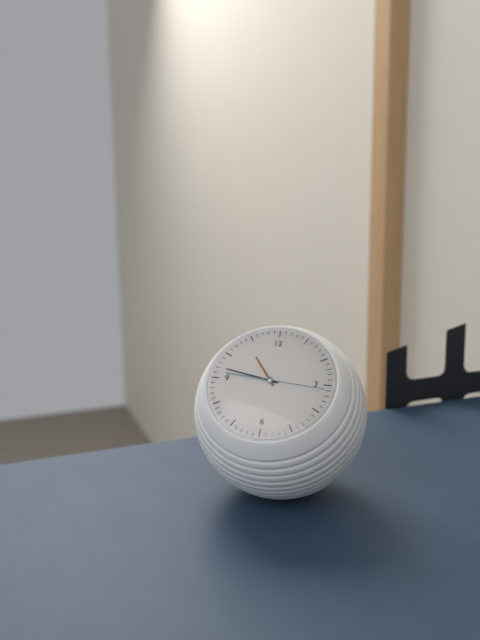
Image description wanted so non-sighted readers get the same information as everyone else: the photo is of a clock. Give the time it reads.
10:47:16
